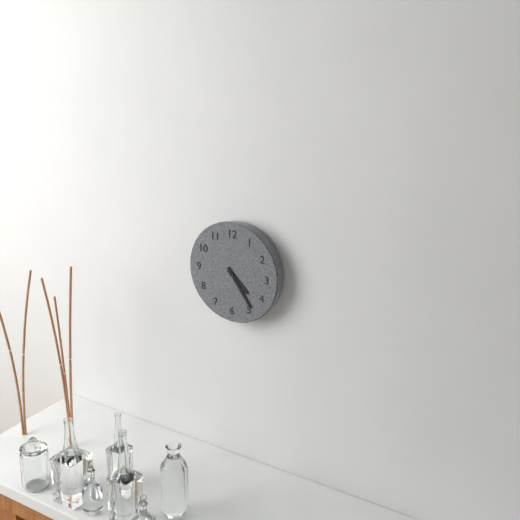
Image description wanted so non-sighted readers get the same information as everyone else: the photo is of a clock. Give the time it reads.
4:24
